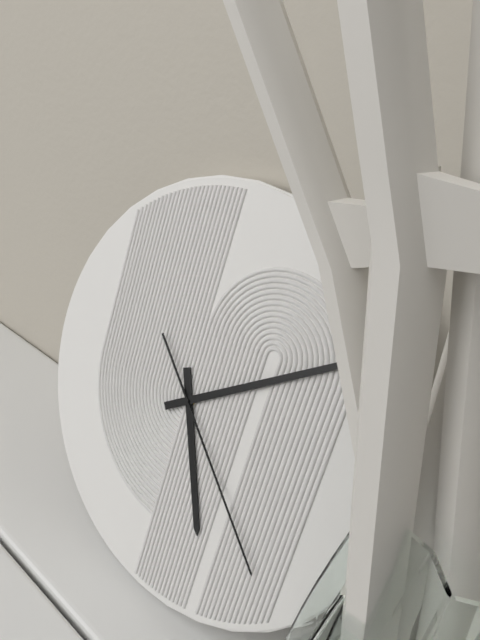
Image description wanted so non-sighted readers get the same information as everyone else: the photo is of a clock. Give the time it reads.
5:09:22
